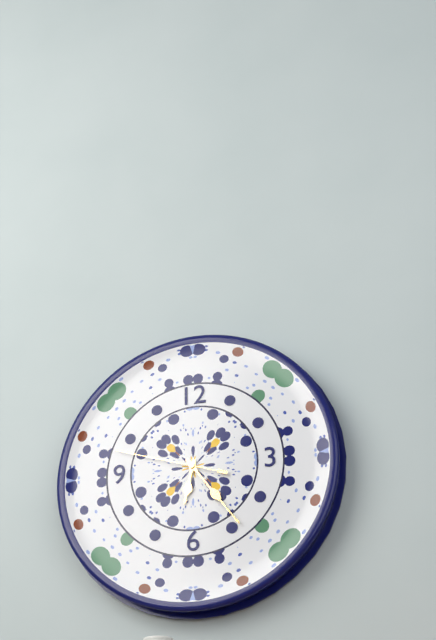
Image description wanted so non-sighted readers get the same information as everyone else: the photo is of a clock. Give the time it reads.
6:24:48
